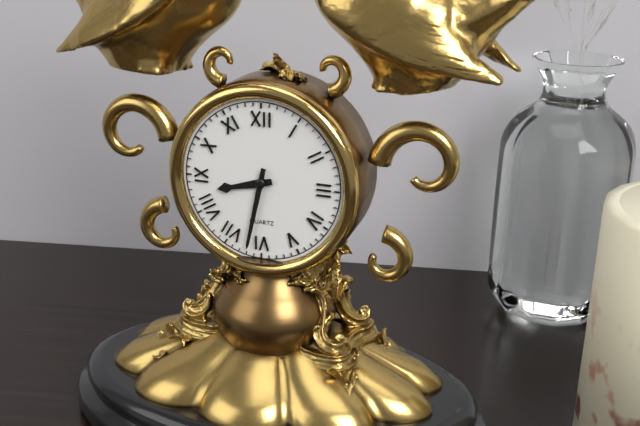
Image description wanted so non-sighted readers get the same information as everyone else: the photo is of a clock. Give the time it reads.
8:32
